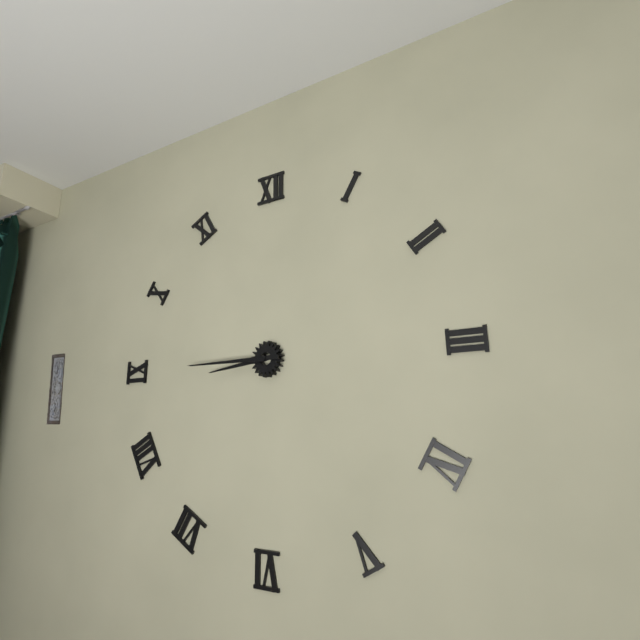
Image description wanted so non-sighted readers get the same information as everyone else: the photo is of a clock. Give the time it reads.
8:45
